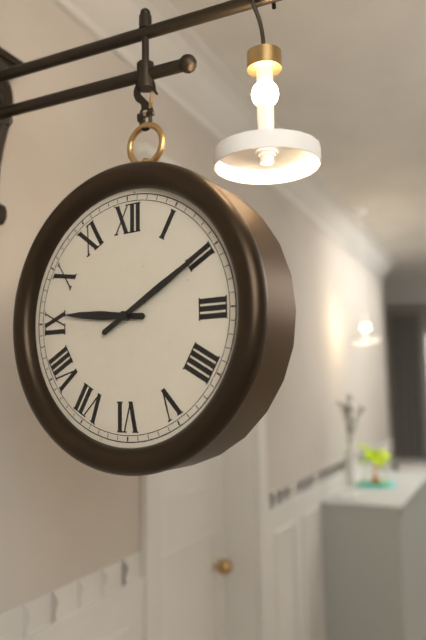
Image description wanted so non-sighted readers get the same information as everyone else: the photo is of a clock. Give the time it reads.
9:10
